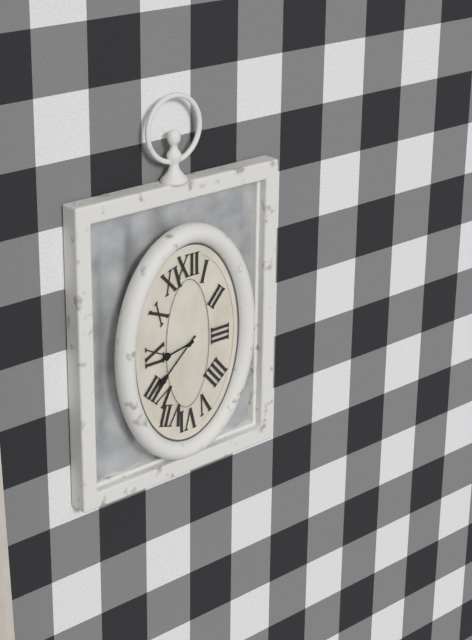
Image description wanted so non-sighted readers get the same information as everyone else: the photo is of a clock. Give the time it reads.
8:38
